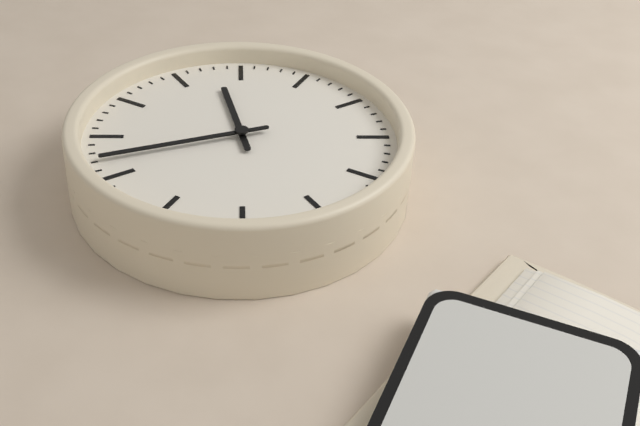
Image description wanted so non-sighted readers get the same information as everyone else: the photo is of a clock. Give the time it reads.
10:37
